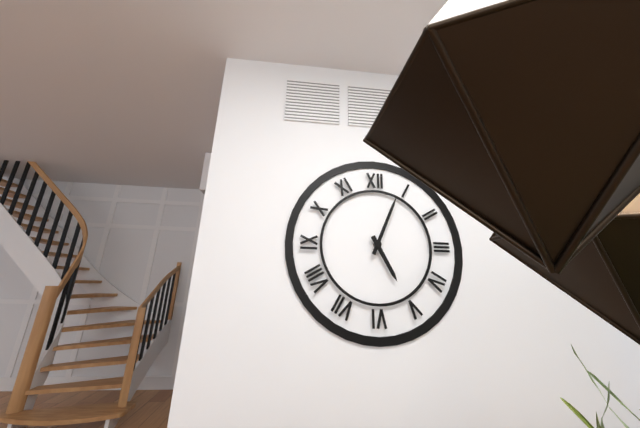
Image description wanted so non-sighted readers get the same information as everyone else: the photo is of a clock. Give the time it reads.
5:04
